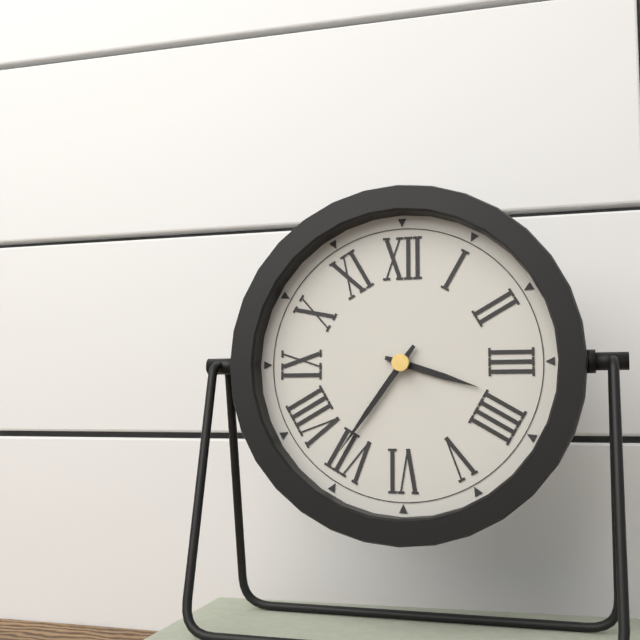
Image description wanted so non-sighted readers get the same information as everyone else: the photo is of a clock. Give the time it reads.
3:36
